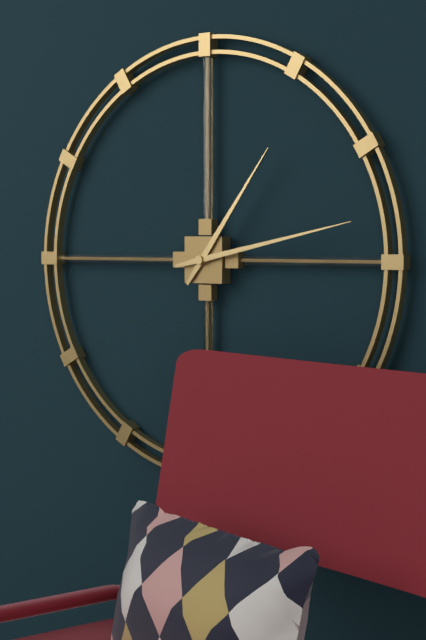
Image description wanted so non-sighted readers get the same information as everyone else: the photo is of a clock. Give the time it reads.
1:13
